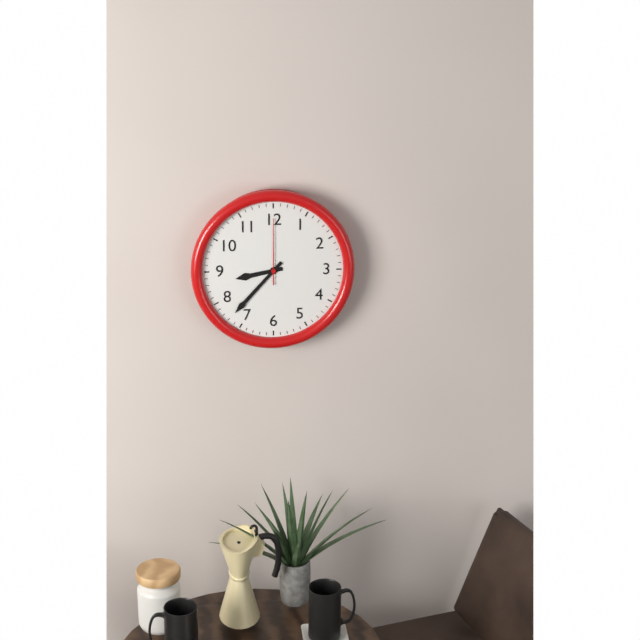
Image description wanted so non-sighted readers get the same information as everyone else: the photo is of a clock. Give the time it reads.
8:37:00
